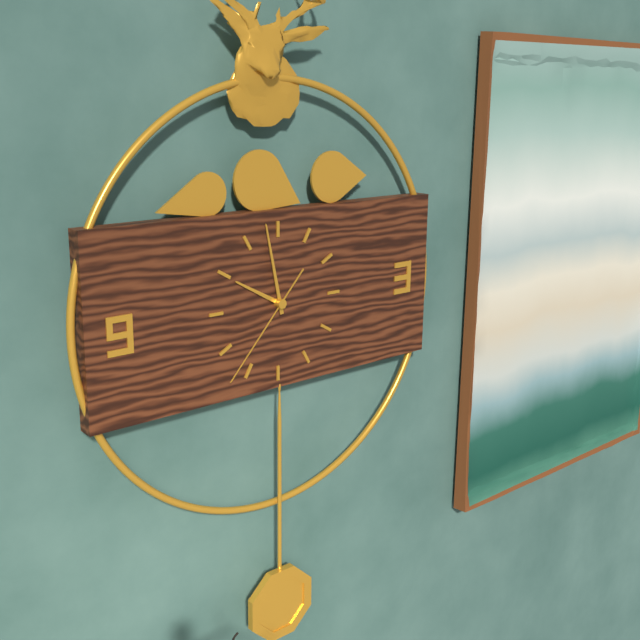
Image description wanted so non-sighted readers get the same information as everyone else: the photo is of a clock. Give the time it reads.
9:58:37
